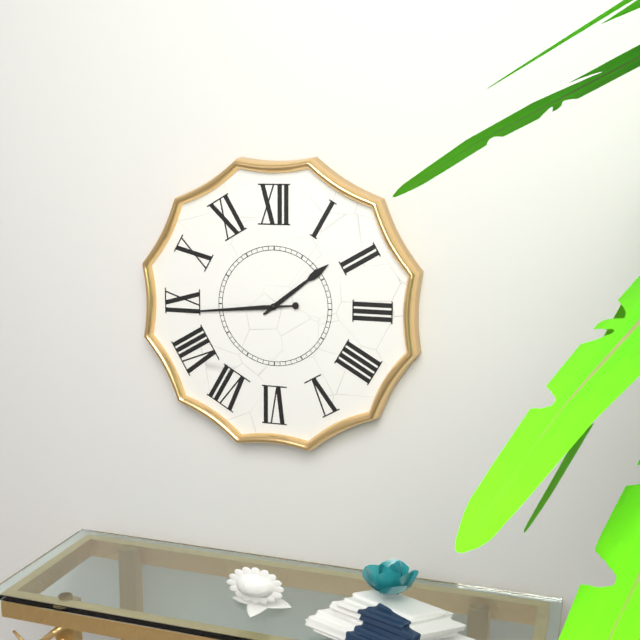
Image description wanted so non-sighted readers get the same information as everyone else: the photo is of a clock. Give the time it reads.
1:44
